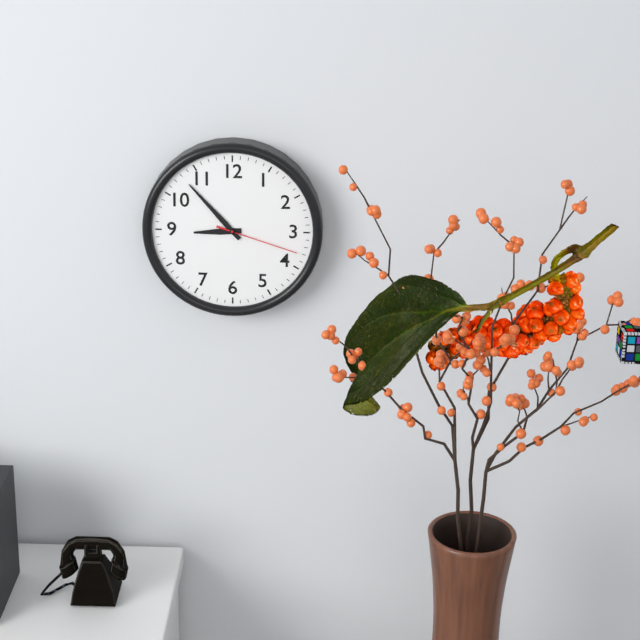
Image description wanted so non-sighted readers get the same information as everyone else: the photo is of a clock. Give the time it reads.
8:53:18
